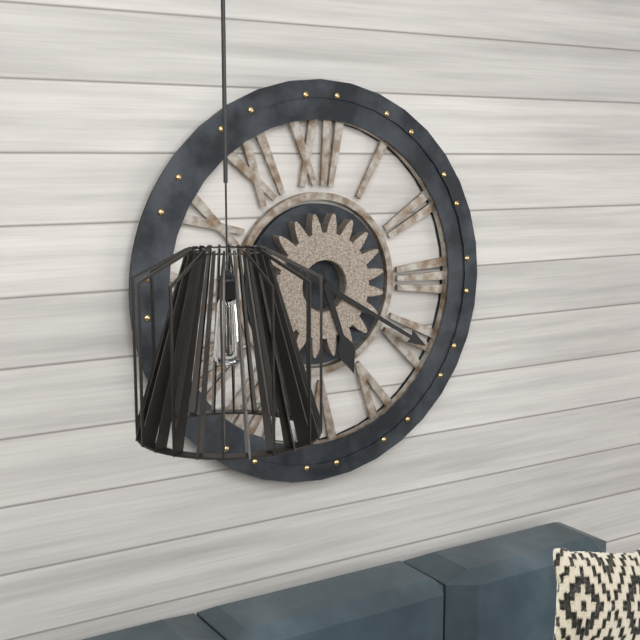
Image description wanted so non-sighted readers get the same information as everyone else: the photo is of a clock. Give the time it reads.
5:20
